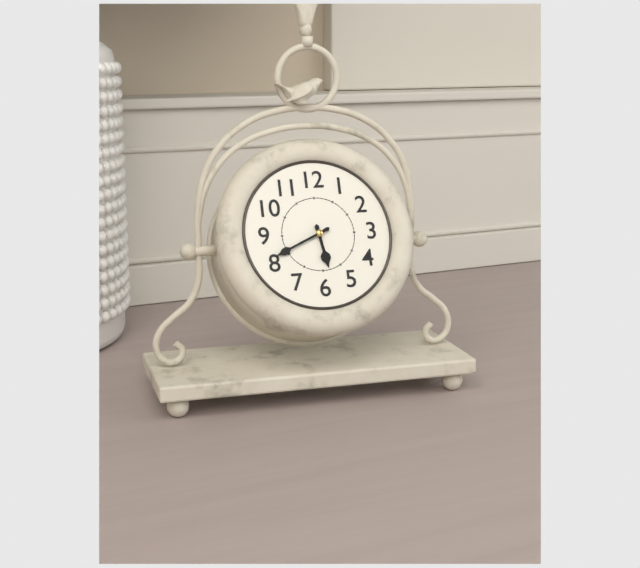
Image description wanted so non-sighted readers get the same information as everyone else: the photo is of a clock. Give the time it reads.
5:41
